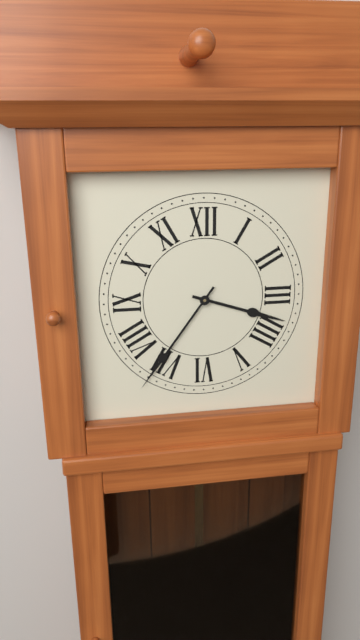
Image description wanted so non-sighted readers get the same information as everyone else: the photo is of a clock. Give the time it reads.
3:36
